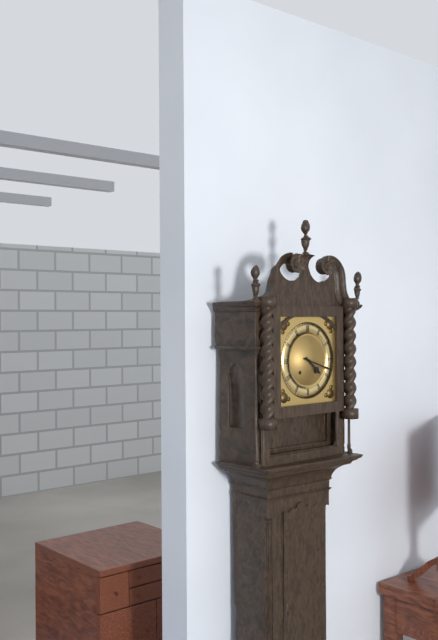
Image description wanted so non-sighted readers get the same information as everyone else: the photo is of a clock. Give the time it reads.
4:18
